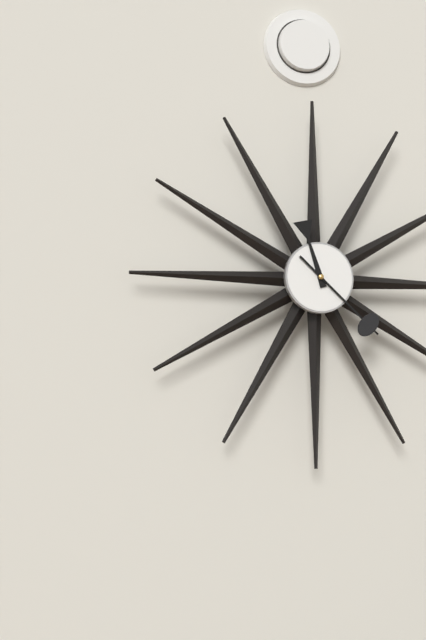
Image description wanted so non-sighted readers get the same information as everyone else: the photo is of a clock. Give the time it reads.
11:22
